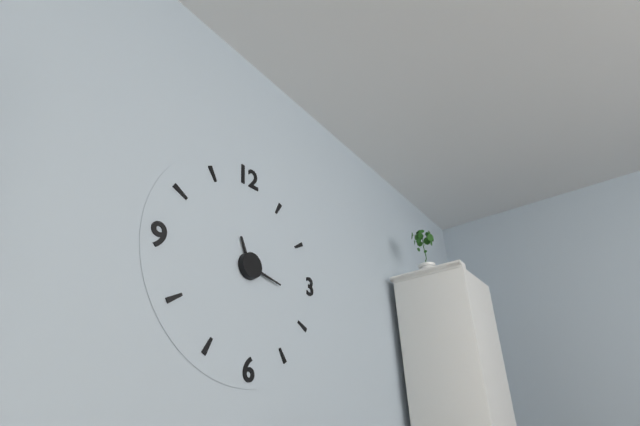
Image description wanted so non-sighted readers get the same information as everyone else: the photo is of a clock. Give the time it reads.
11:17
